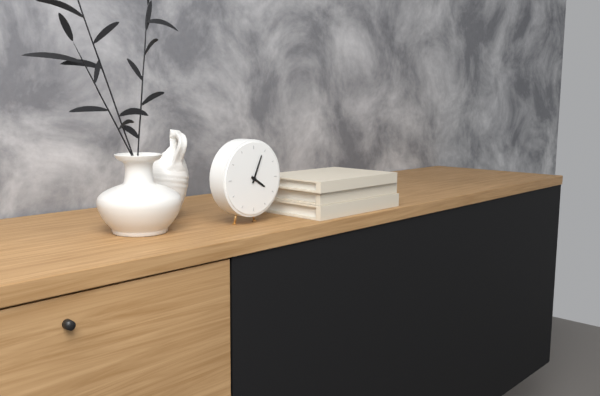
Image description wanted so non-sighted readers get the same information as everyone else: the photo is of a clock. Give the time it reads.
4:04
